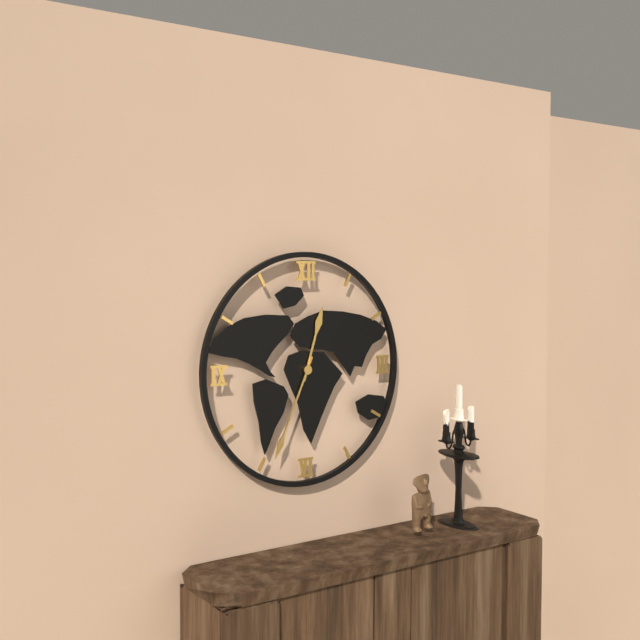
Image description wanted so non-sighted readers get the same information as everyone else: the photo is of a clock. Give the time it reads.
12:34
